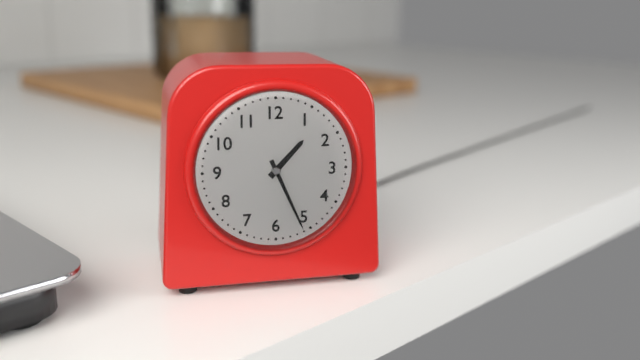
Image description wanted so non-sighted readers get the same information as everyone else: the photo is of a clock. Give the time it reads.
1:26
